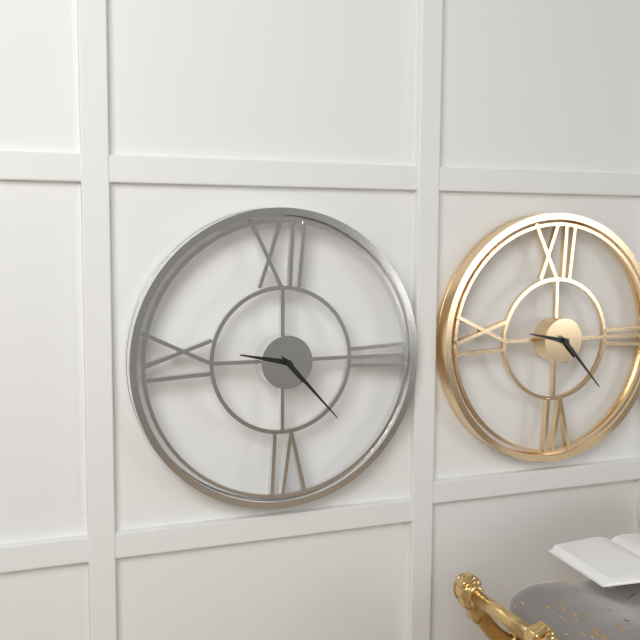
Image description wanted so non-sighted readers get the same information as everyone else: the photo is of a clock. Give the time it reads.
9:23
